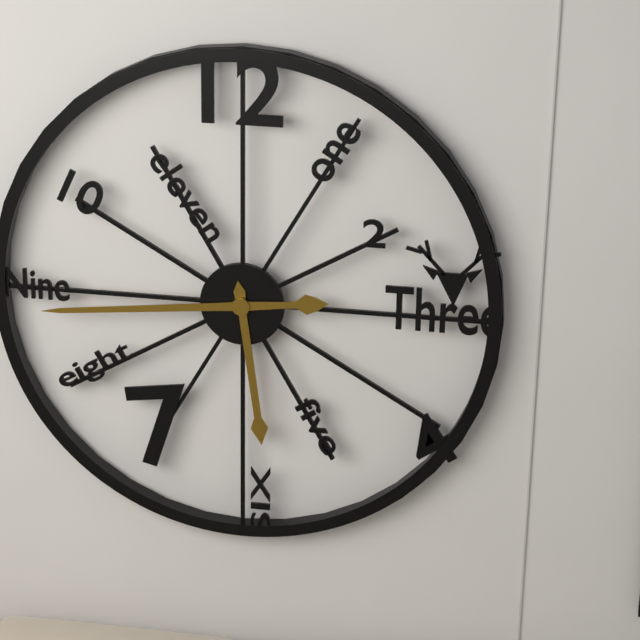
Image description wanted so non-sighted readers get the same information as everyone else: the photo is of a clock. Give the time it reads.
5:44
